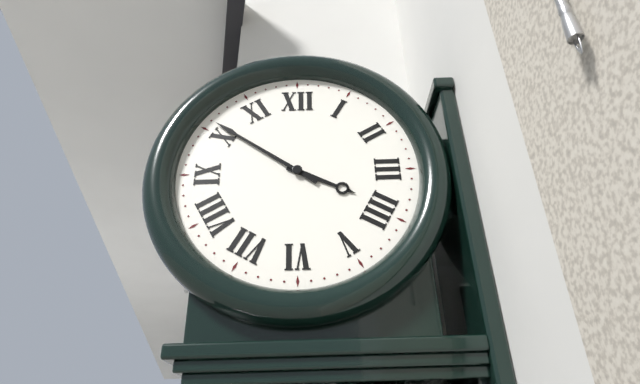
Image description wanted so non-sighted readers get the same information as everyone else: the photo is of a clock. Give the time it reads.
3:51
